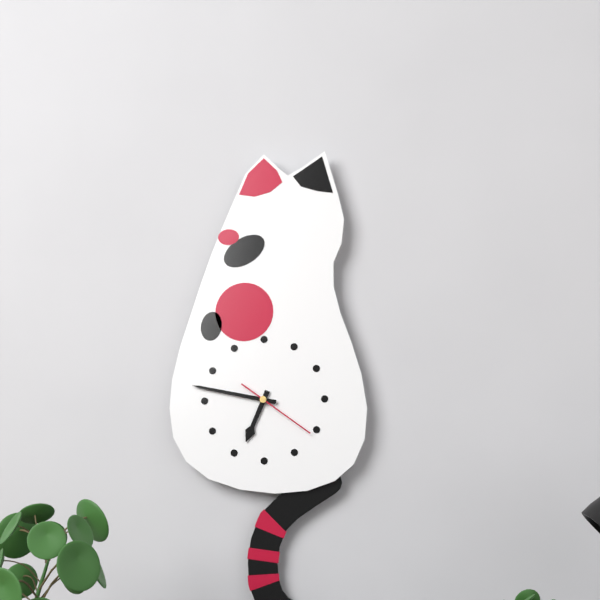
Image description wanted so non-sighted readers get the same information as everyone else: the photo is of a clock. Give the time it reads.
6:47:21
